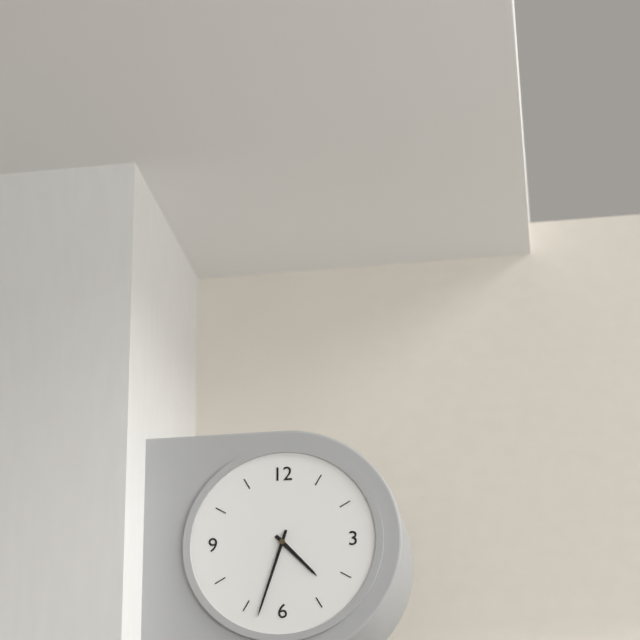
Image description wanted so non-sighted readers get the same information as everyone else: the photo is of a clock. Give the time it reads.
4:33
